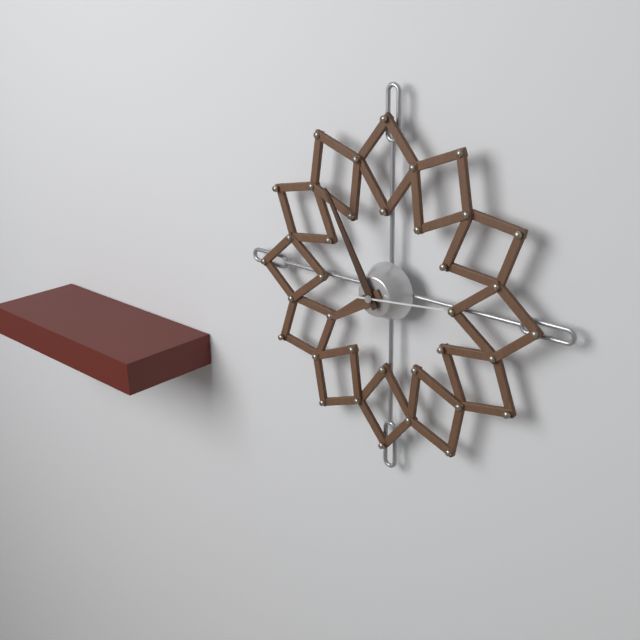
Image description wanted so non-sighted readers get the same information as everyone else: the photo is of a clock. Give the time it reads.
7:55:14
